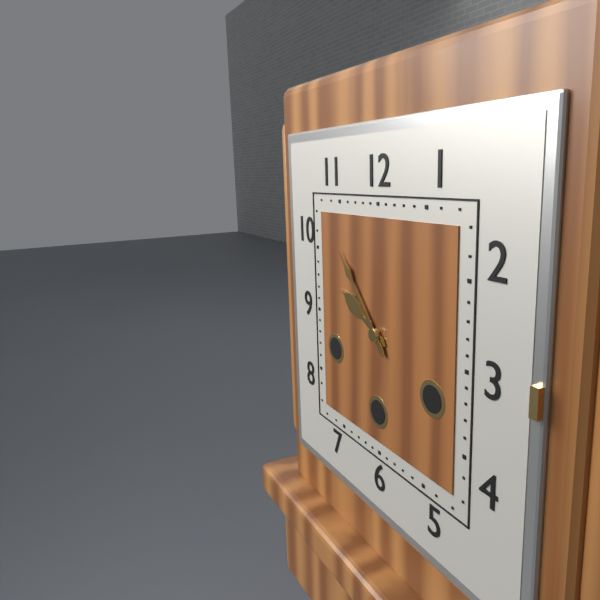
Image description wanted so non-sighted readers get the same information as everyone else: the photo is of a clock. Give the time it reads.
9:53
